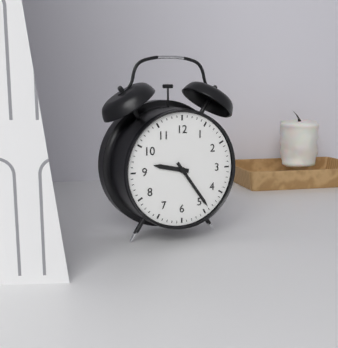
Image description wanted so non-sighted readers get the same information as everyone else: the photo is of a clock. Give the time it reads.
9:24
